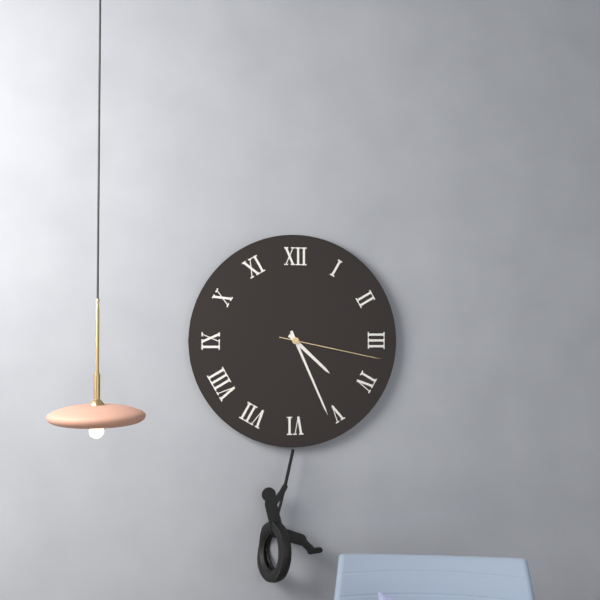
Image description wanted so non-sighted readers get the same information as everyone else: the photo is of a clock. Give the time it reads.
4:26:17
